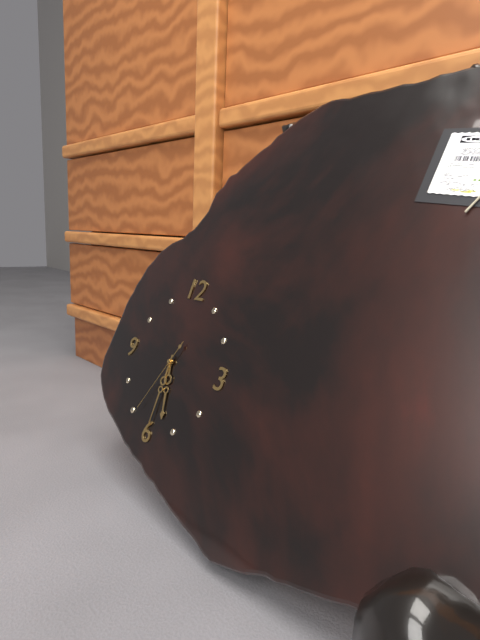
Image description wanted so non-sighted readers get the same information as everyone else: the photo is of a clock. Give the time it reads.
5:30:34
